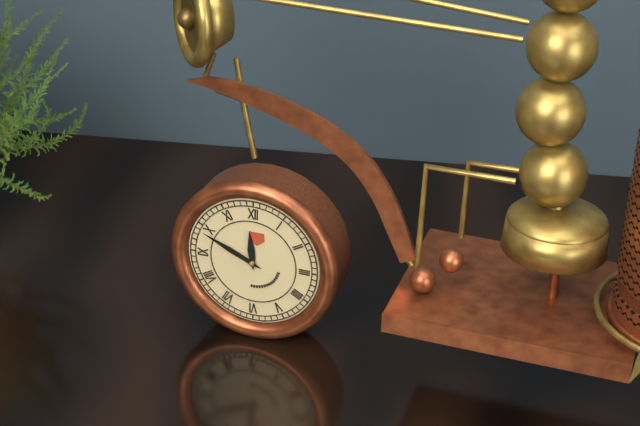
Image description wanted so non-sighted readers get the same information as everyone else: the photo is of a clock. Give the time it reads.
11:49
